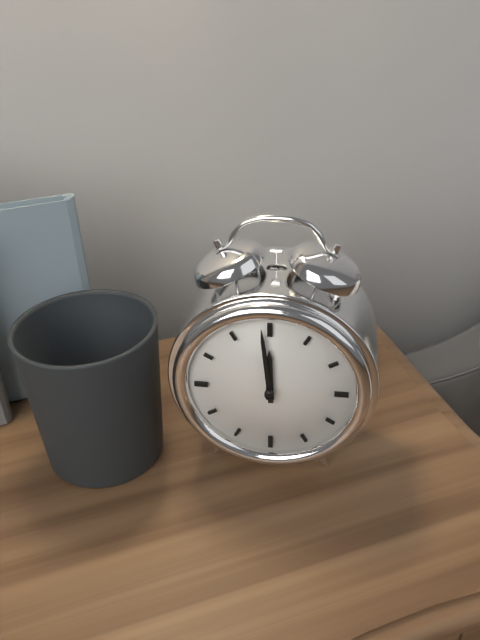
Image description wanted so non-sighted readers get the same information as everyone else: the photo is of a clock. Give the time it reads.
11:59
